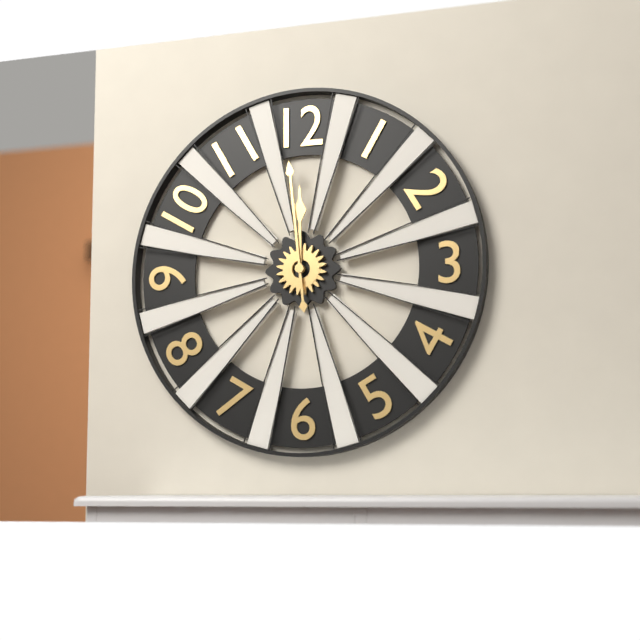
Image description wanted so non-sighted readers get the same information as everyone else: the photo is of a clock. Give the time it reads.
11:59
